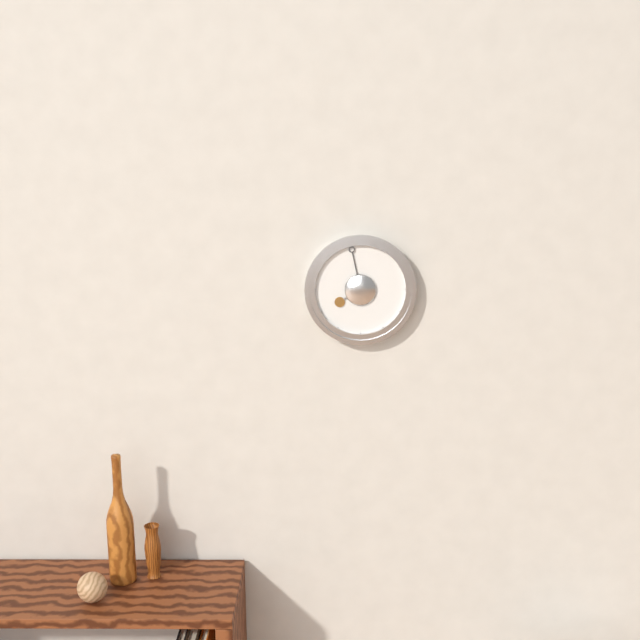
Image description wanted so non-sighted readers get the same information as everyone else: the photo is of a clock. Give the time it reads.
7:58
